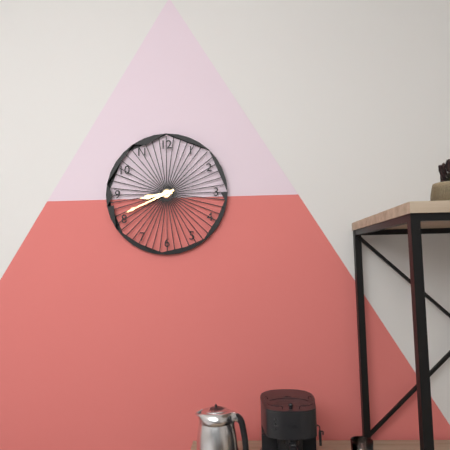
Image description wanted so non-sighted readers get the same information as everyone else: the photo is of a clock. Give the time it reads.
8:41
